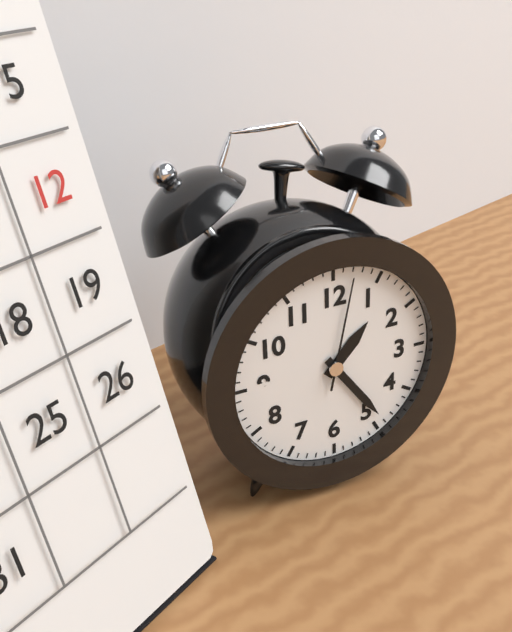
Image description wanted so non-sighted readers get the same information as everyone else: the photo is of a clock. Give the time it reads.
1:24:02
